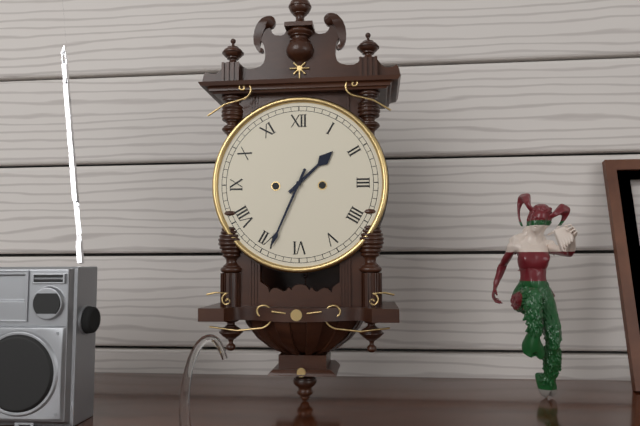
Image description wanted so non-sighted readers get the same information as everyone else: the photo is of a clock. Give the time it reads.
1:34
